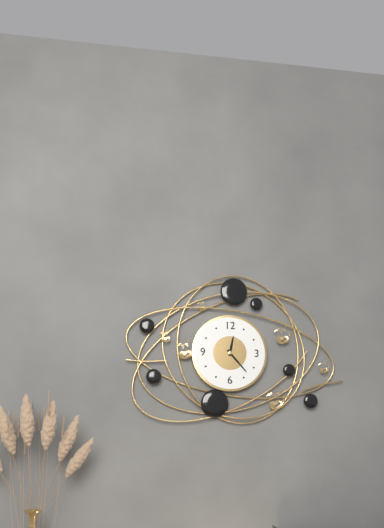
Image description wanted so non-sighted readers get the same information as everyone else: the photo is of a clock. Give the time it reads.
12:23
